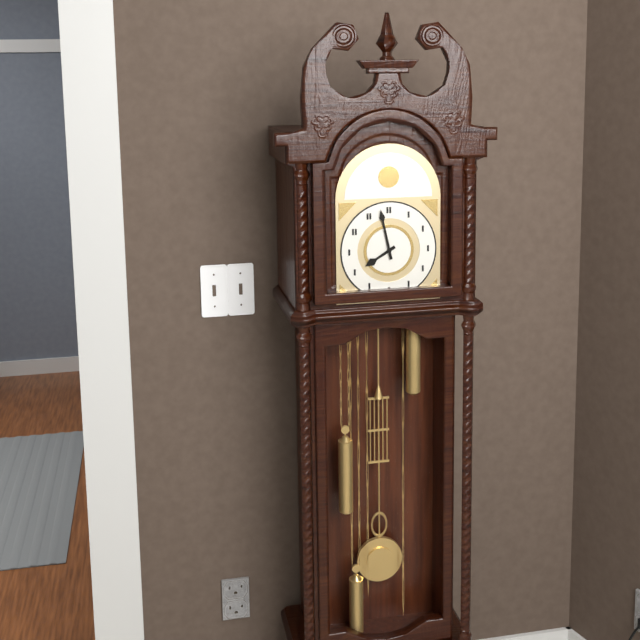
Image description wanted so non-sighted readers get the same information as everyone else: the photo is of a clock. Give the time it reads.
7:58
